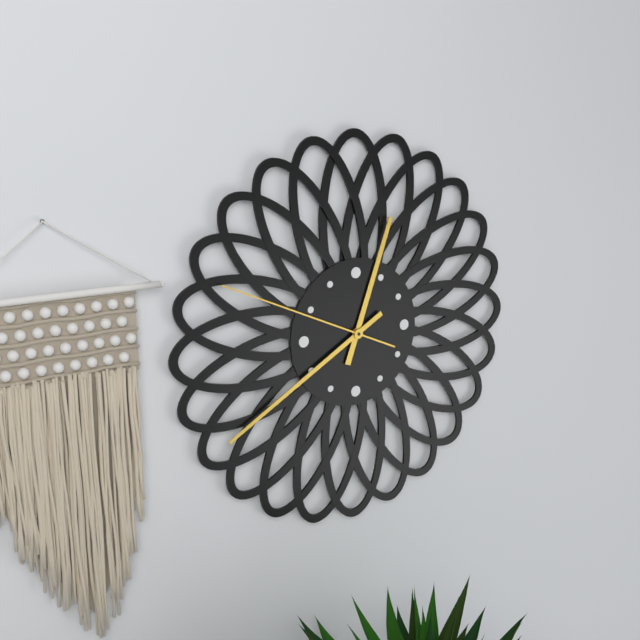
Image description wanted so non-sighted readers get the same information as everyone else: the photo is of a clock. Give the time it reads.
12:40:49
